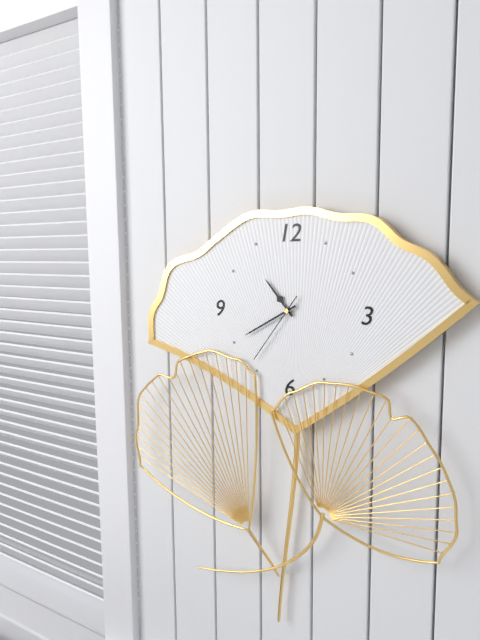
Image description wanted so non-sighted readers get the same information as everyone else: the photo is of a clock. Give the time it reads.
10:40:36
